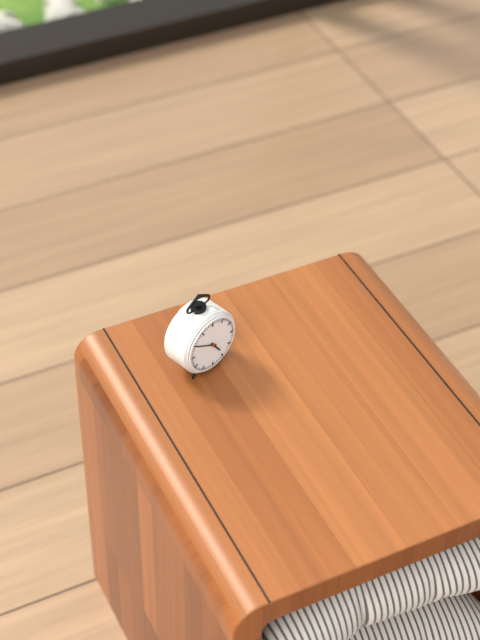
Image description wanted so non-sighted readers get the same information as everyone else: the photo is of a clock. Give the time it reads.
4:50
